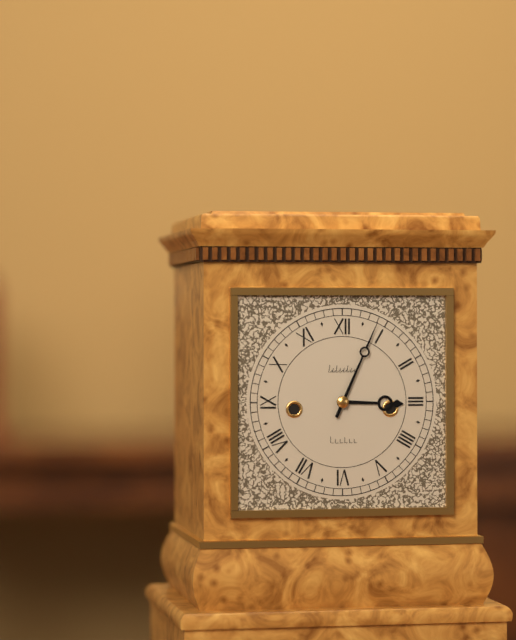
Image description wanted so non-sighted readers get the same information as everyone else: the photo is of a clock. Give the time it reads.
3:04
